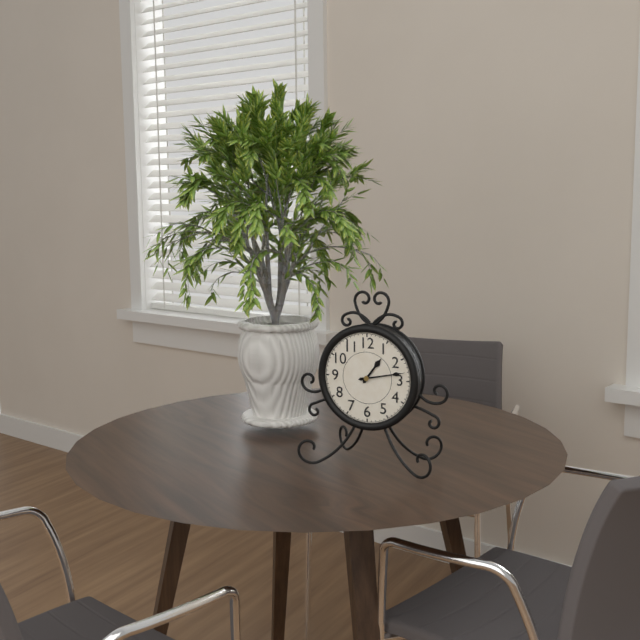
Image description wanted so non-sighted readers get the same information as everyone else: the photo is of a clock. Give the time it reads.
1:13
